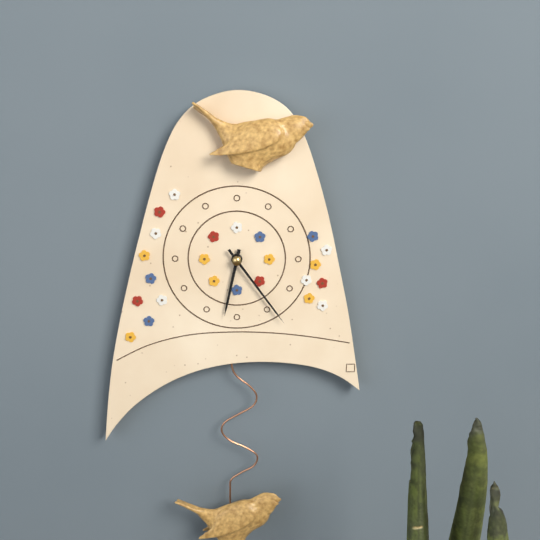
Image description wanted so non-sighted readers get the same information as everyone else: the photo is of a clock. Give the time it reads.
6:24
